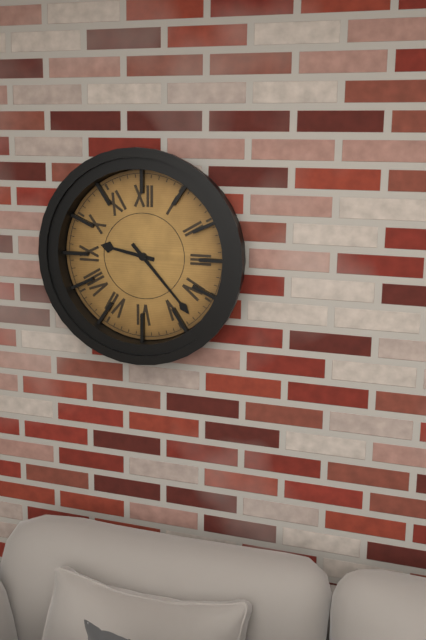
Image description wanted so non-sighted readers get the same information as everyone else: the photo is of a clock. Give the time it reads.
9:23
